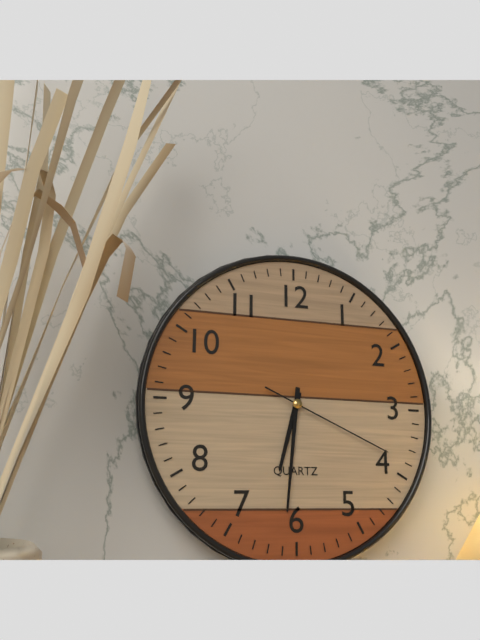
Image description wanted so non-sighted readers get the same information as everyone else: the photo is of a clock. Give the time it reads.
6:31:19
